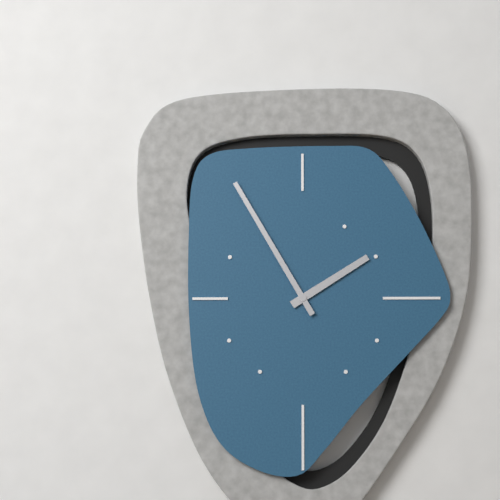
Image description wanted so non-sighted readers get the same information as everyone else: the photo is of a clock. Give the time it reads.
1:55
